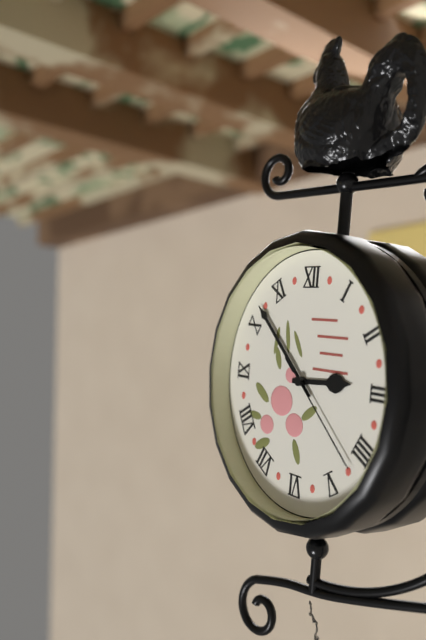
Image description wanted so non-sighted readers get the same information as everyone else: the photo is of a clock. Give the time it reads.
2:52:22
